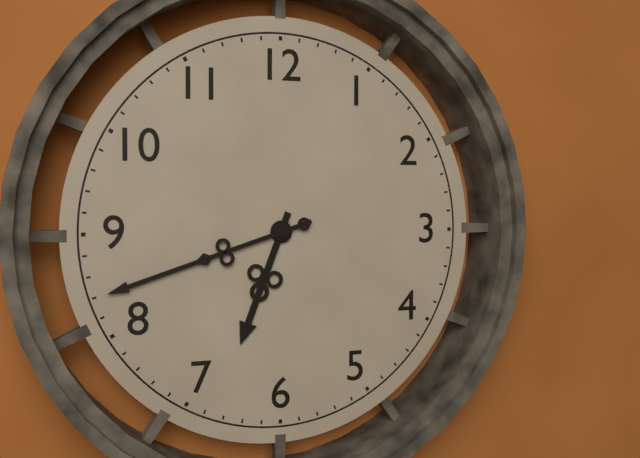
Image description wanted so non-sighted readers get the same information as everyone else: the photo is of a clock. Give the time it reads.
6:42
